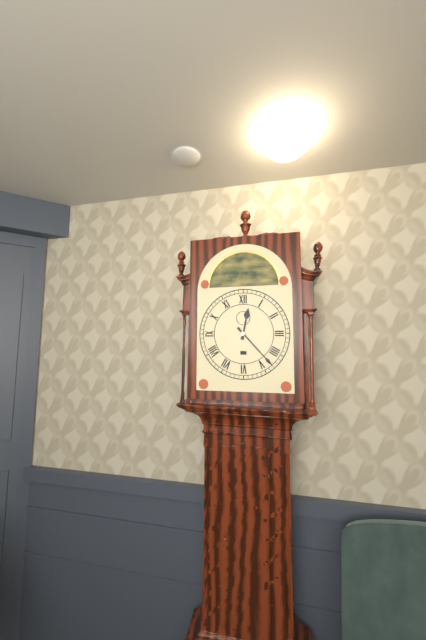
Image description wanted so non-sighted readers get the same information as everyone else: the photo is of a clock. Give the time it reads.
12:23
